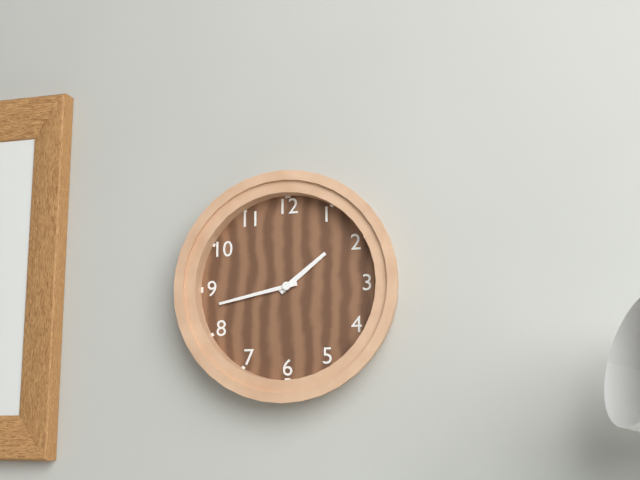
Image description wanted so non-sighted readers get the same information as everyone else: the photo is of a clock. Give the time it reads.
1:43
